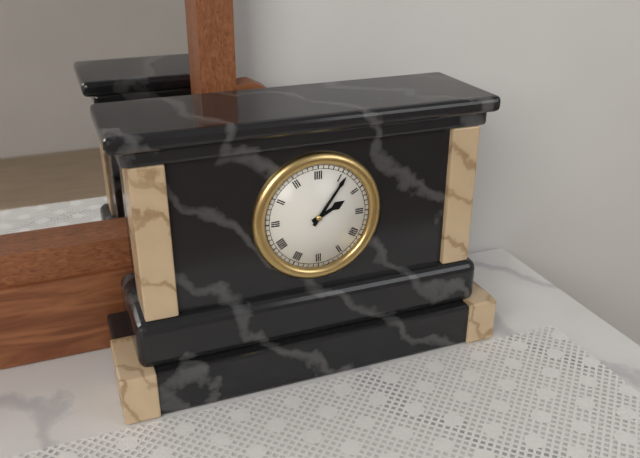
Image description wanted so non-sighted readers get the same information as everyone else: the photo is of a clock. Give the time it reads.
2:06
